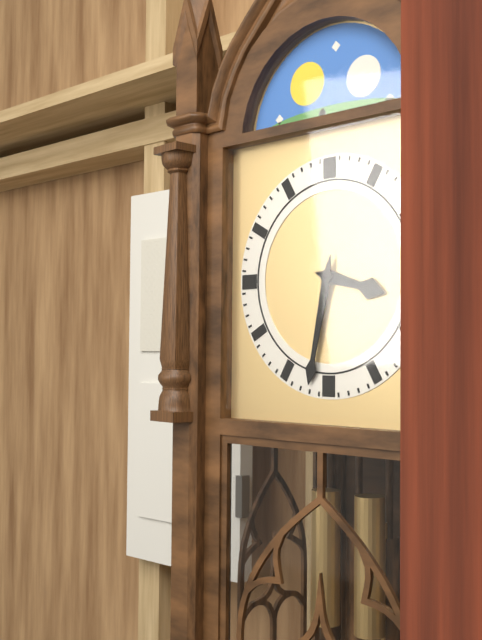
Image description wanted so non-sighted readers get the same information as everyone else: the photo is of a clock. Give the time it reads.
3:32
